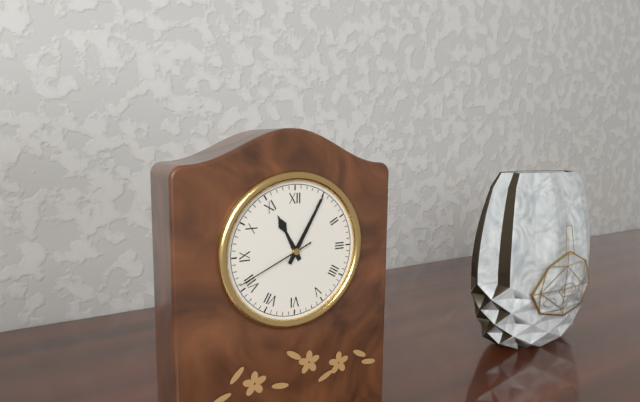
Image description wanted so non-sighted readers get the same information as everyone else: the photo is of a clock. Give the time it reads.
11:05:41
